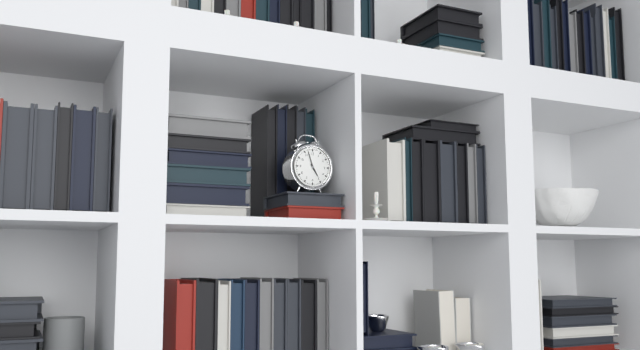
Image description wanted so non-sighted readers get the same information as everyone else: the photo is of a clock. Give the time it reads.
4:57
